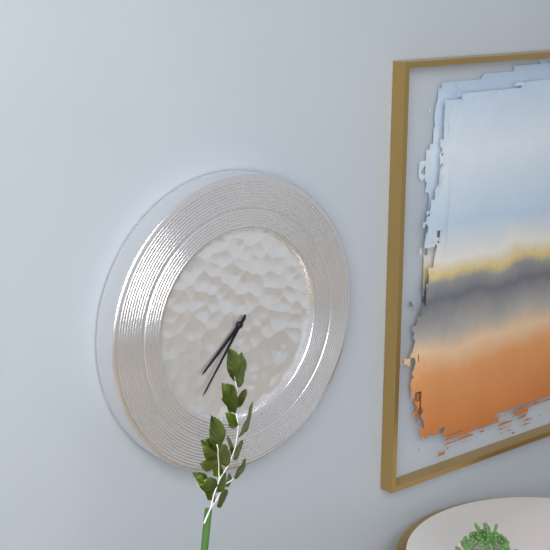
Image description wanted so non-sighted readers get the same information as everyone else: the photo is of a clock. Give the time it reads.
7:36
